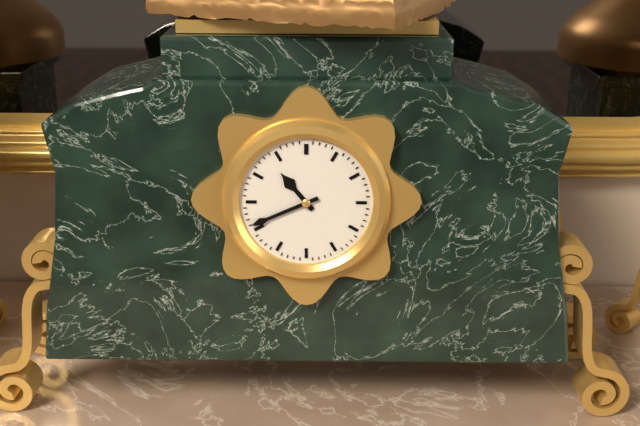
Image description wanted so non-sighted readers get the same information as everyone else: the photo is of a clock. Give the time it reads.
10:41
